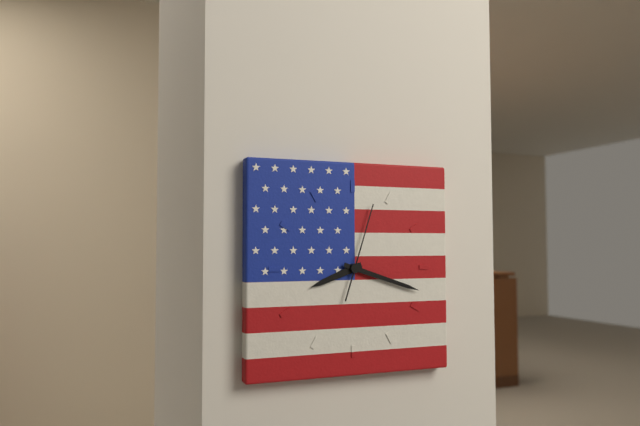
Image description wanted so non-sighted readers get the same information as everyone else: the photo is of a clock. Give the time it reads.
8:18:03
